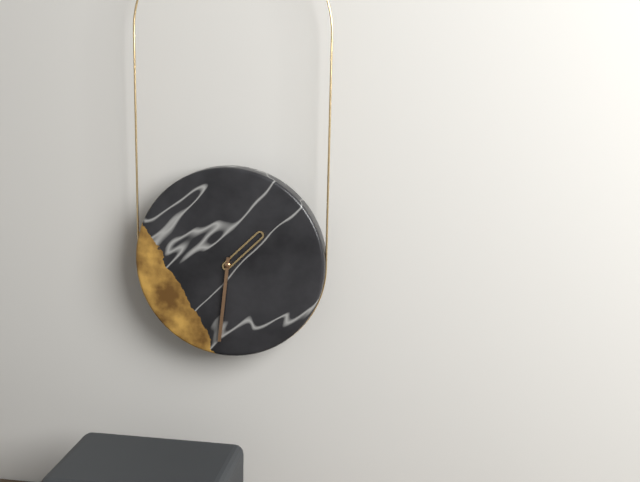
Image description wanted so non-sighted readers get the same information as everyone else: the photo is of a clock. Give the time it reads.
1:31
